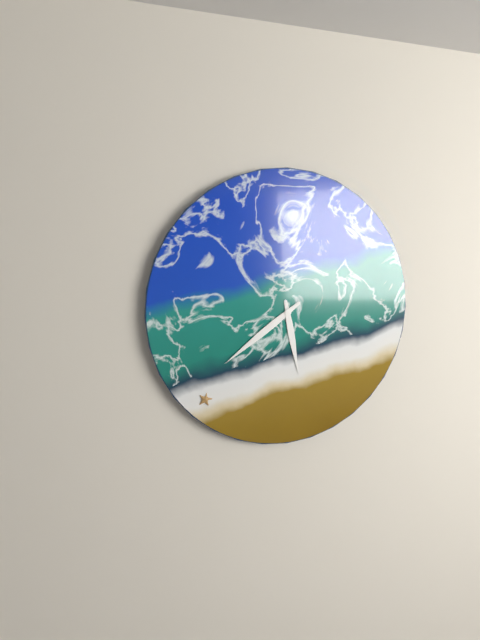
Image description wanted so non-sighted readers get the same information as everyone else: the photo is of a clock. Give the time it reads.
5:39
